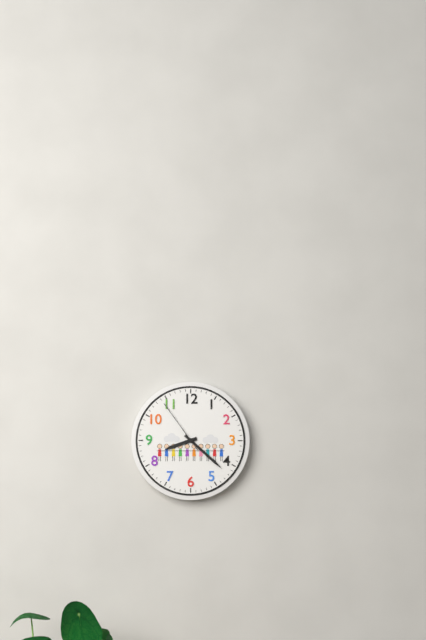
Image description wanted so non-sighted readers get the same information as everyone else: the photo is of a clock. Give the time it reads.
8:22:54
